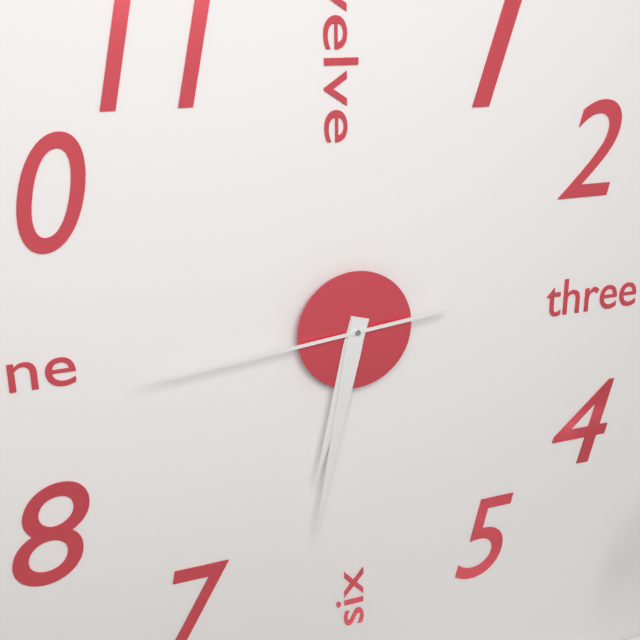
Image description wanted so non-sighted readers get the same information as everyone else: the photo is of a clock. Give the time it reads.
6:32:44
